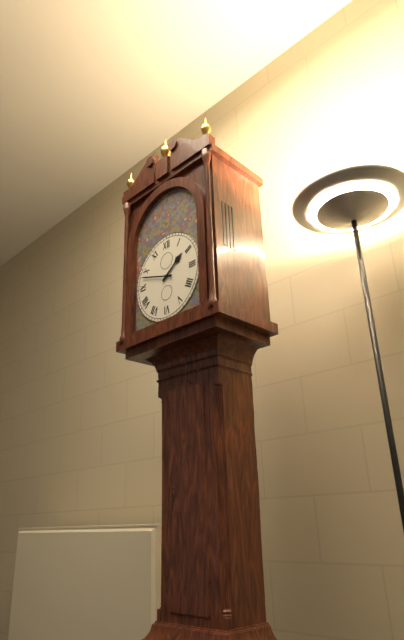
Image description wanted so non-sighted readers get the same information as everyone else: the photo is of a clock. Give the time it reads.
1:48
